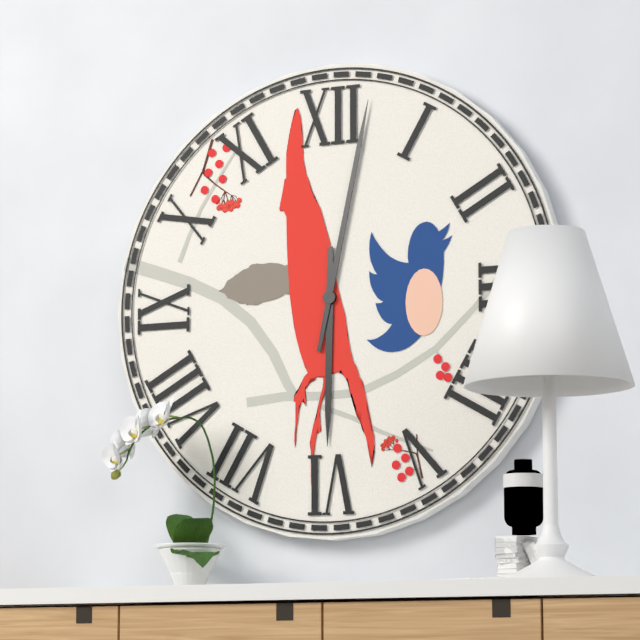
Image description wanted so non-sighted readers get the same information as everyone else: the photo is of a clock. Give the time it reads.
6:02
